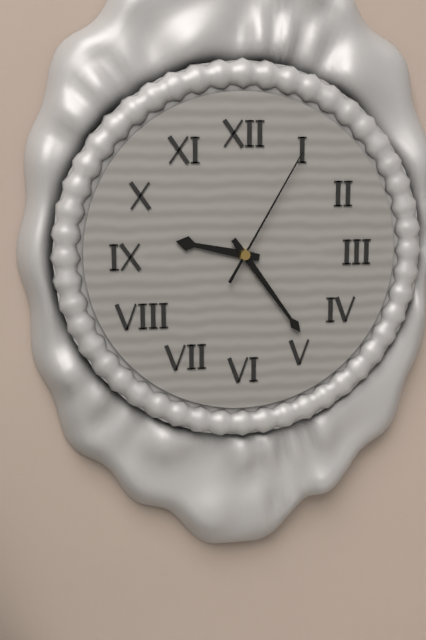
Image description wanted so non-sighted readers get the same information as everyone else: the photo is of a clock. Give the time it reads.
9:24:05
